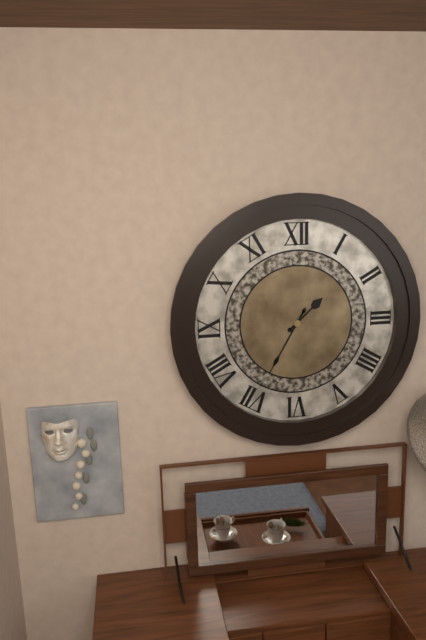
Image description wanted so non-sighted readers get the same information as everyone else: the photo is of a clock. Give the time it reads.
1:35
